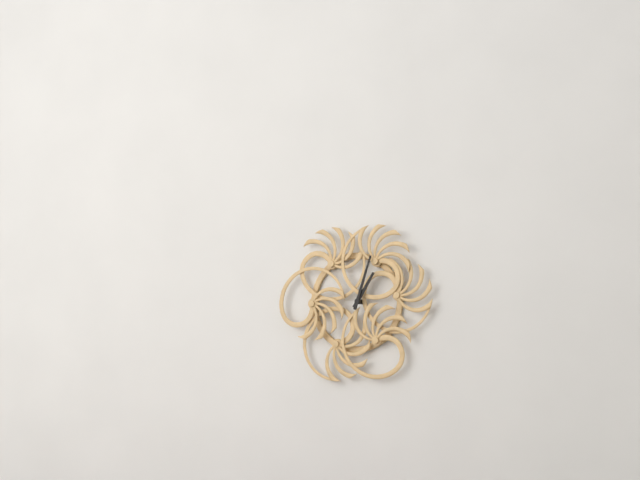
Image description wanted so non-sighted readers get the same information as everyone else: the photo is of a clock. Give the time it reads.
1:03
